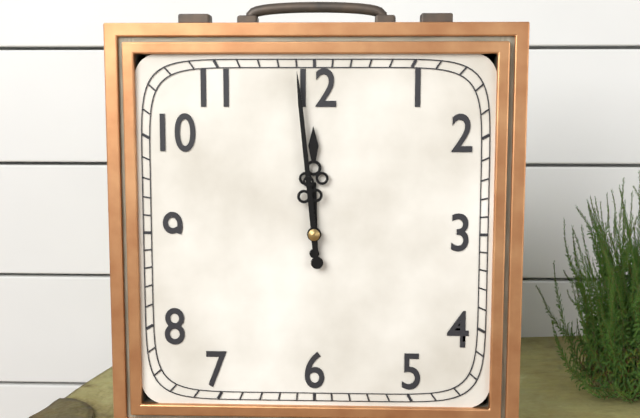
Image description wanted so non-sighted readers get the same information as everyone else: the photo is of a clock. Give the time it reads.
11:59
